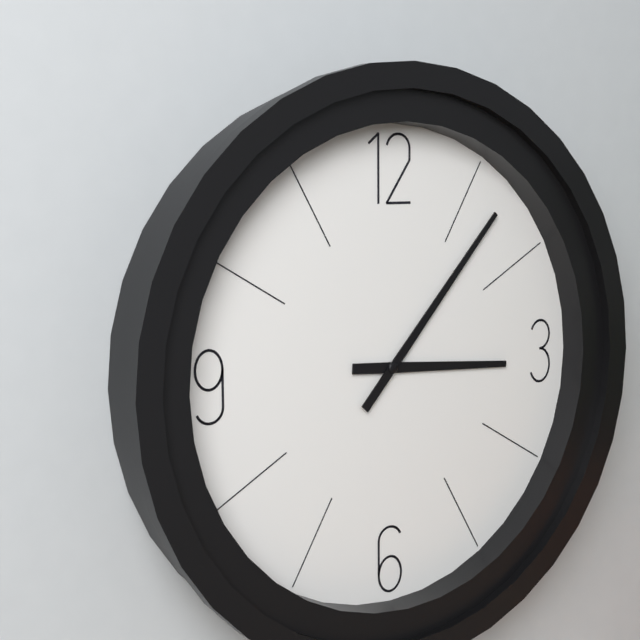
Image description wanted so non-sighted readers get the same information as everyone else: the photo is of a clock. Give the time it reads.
3:07
